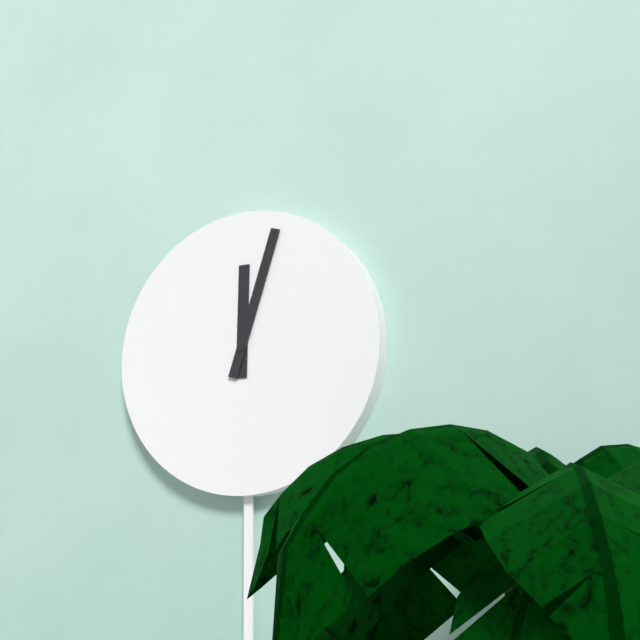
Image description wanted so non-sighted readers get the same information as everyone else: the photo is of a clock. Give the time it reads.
12:03
